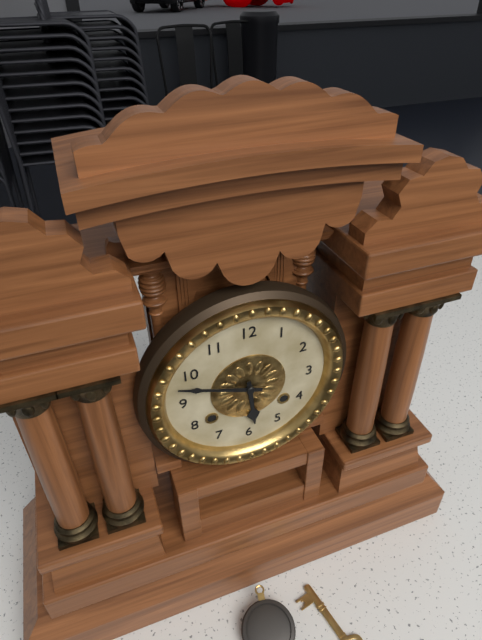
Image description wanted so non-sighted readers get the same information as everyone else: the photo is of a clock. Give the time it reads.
5:48
